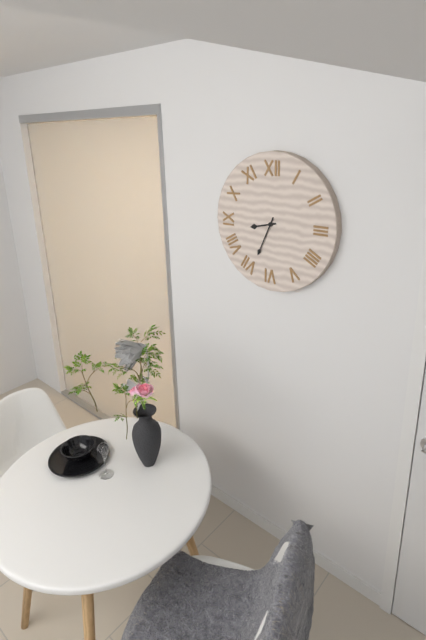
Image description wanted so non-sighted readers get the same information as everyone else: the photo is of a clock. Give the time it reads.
8:34
